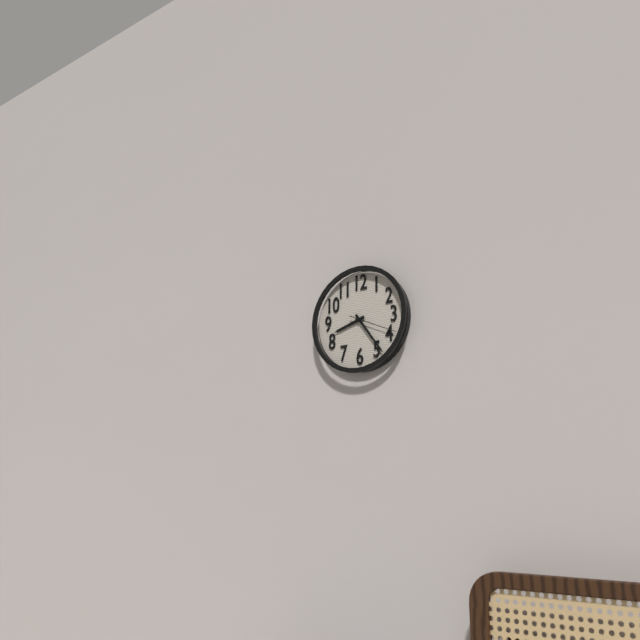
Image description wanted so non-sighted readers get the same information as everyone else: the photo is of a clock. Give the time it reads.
8:24
